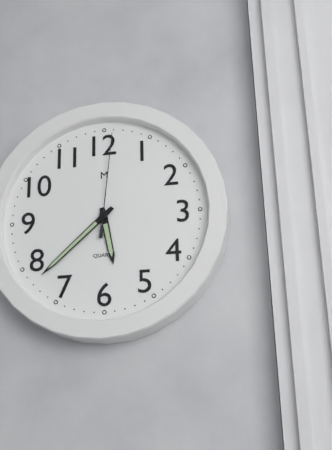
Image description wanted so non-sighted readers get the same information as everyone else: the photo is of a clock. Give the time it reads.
5:38:01
